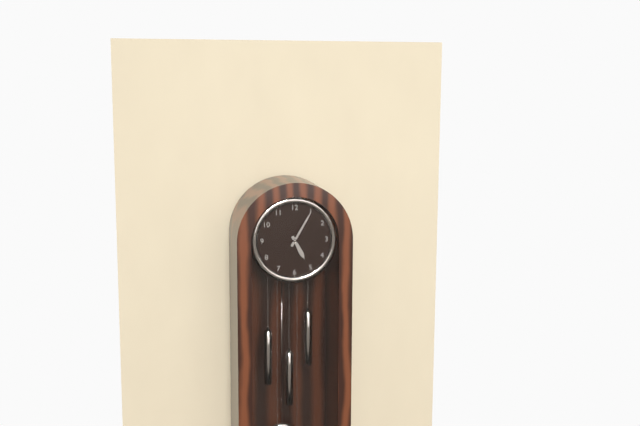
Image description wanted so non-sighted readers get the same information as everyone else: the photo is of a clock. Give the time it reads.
5:05
